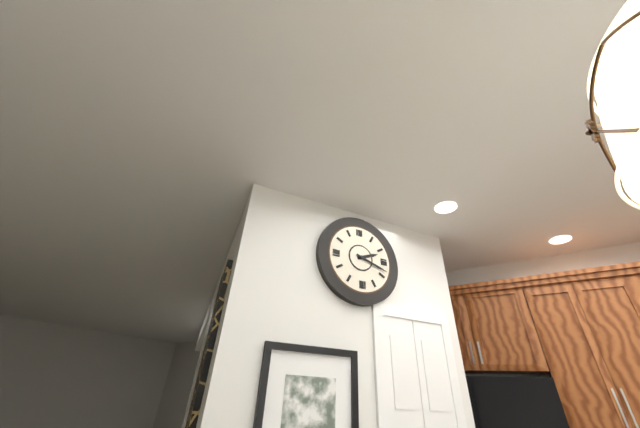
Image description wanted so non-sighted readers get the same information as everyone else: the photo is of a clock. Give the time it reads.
2:18
